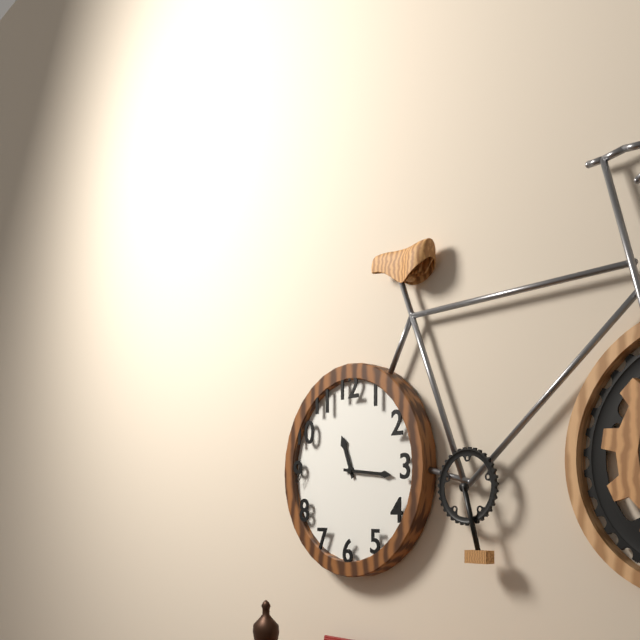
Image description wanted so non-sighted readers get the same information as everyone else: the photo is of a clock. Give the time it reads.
11:16
